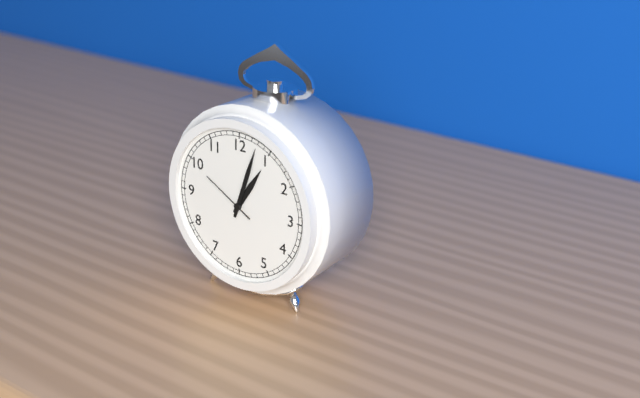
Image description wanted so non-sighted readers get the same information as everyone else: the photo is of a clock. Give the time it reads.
1:03:50
